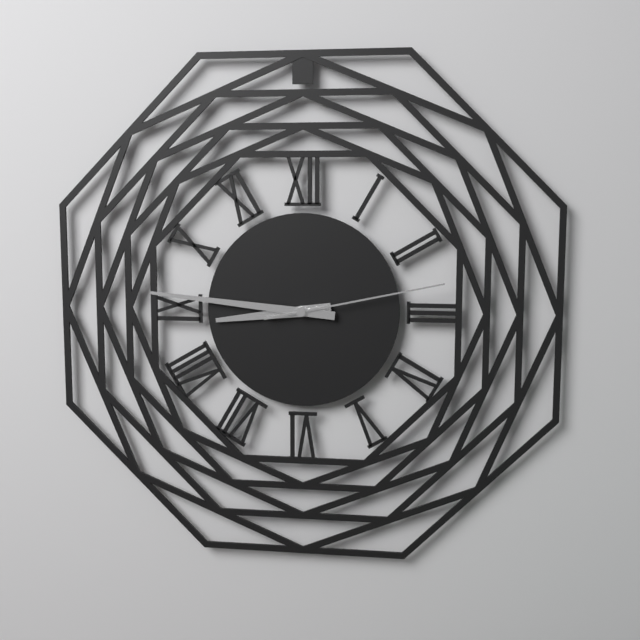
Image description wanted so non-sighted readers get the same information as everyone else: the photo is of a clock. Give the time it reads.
8:46:13
